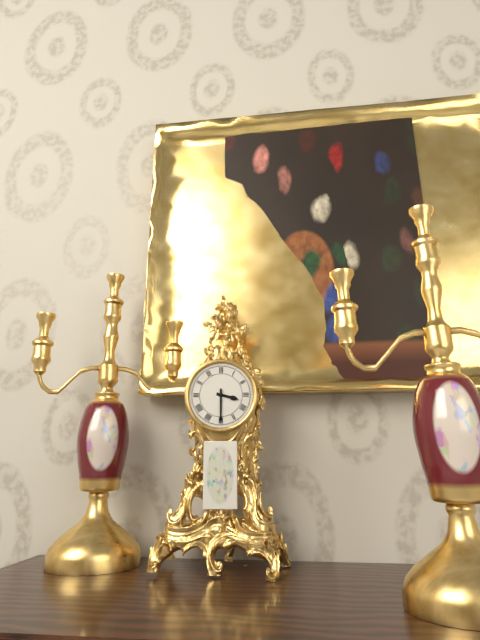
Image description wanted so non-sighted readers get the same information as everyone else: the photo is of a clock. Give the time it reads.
3:30
